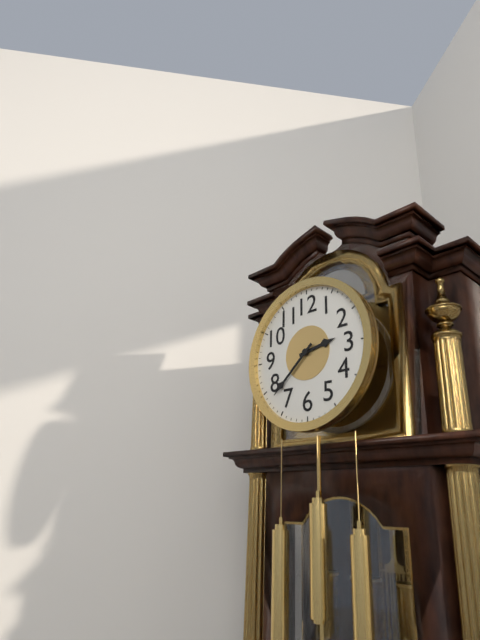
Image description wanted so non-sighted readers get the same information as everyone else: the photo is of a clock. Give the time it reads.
2:38
